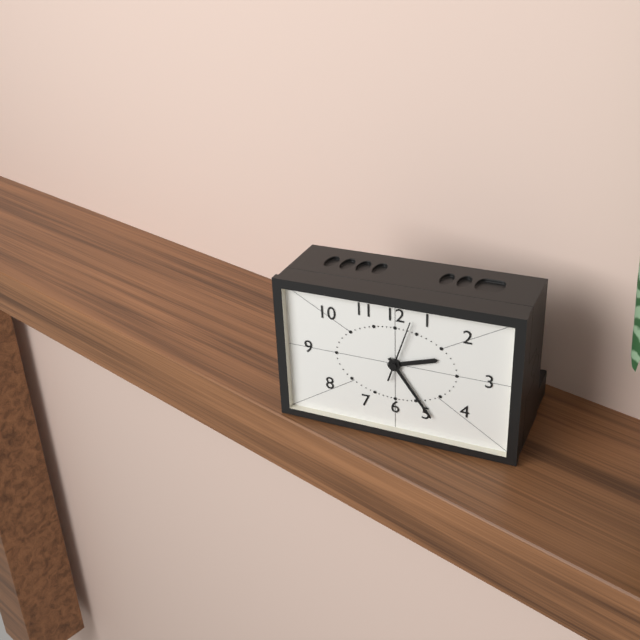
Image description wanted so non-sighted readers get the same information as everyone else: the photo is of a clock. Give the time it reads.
2:24:03
